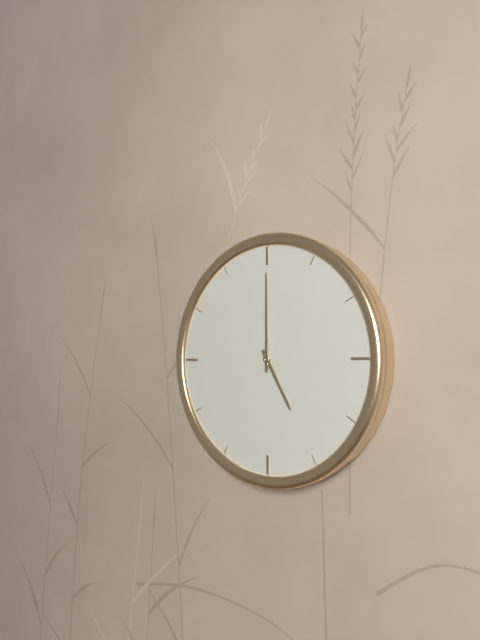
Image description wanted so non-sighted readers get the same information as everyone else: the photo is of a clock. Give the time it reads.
5:00
